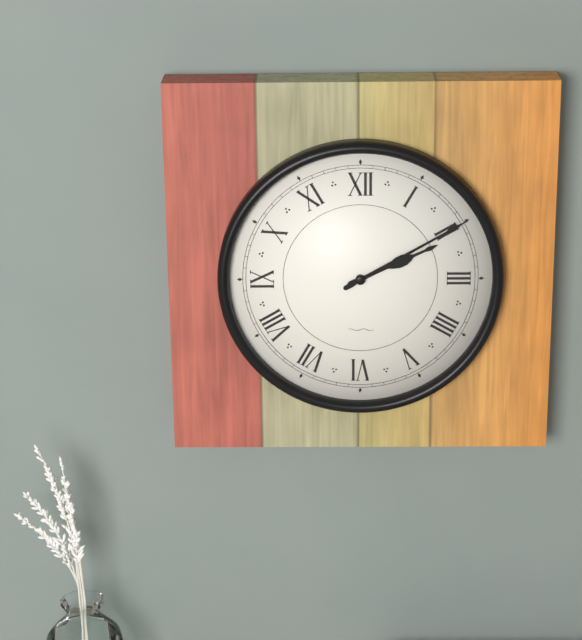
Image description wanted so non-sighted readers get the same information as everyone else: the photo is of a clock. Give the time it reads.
2:10
